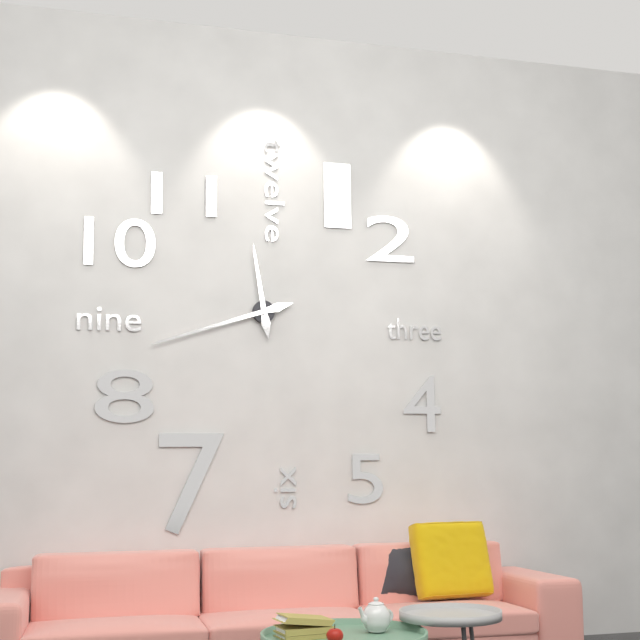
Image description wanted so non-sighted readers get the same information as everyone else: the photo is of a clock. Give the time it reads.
11:42
